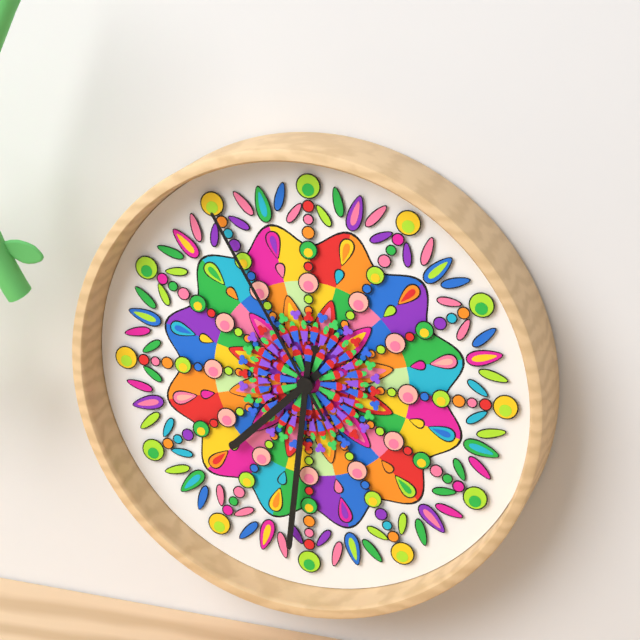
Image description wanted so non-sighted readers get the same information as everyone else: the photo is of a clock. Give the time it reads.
7:31:55
